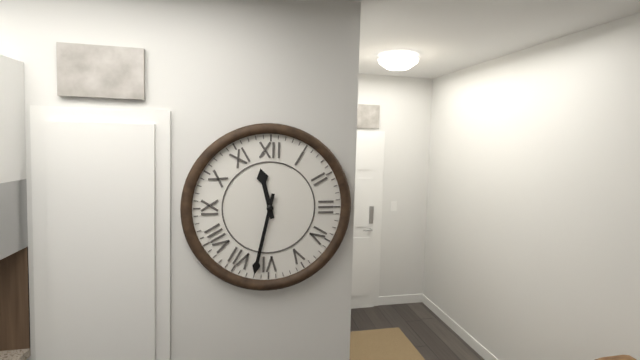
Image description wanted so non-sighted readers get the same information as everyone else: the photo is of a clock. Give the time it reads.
11:32
